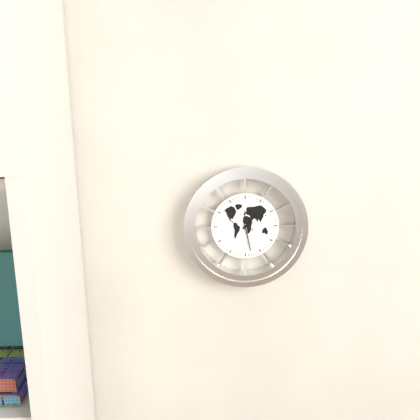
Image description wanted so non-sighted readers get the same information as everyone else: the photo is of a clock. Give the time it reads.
1:28
